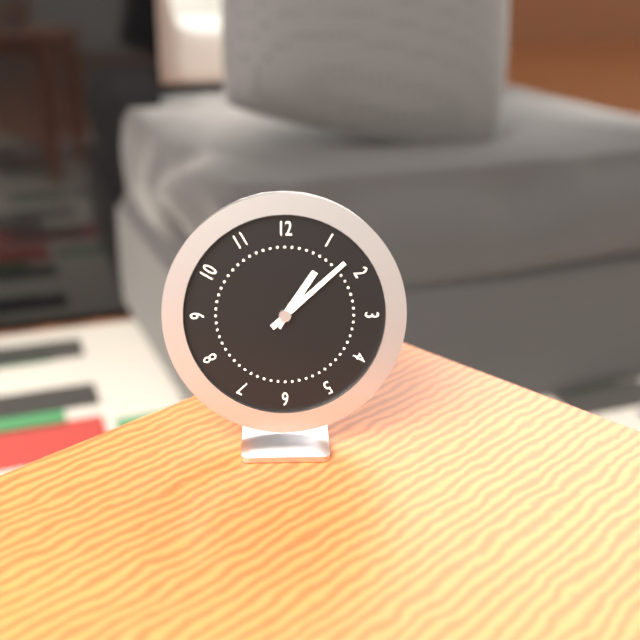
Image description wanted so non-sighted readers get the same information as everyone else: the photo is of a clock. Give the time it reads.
1:08
